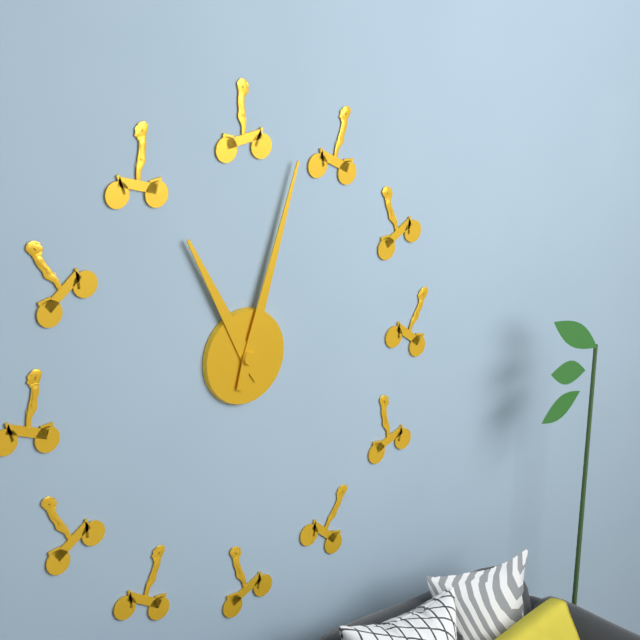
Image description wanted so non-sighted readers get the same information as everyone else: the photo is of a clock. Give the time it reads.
11:03
